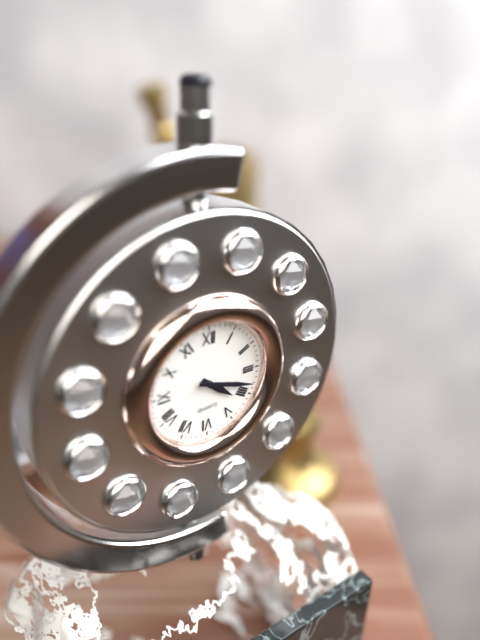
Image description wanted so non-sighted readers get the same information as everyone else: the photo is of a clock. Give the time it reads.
4:18
